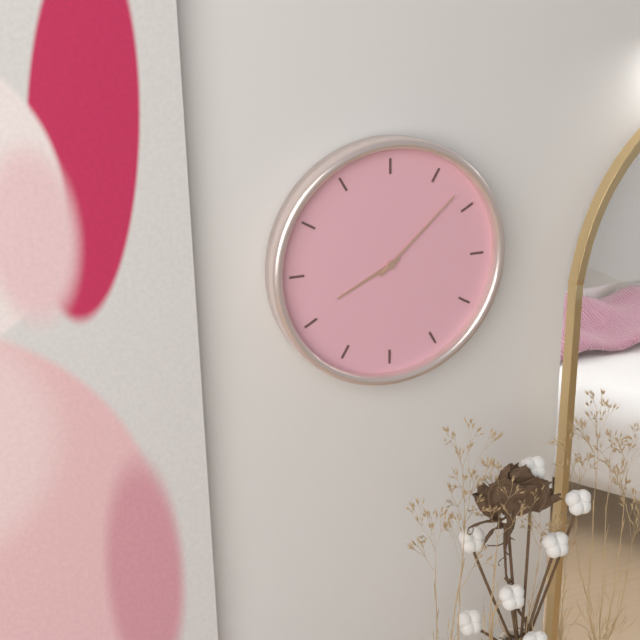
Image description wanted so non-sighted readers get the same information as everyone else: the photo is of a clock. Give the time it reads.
8:08
